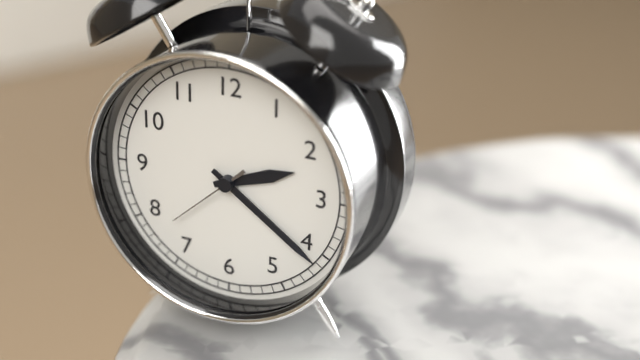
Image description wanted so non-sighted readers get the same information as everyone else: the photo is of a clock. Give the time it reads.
2:21:38
